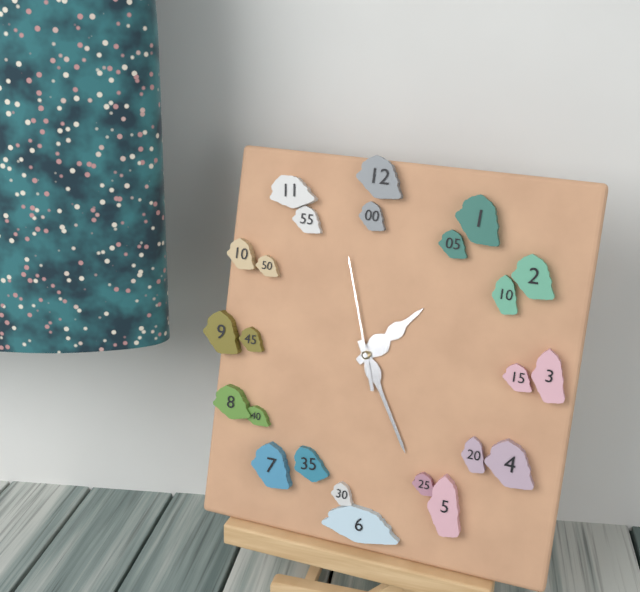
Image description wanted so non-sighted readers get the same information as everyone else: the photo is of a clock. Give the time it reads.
1:25:57
